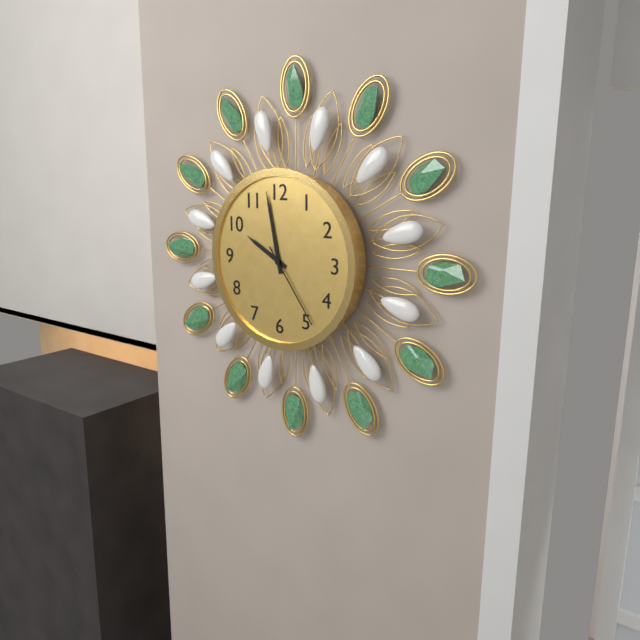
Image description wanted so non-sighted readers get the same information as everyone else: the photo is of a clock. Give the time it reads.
9:58:24
